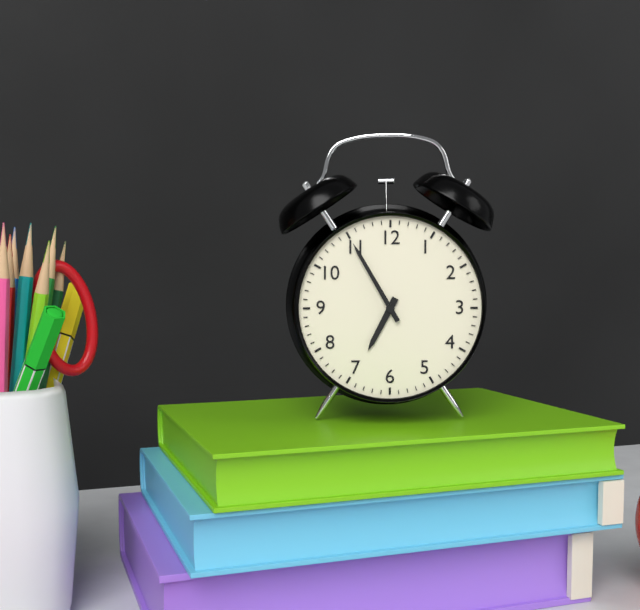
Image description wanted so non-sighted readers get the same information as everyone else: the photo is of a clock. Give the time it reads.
6:55
